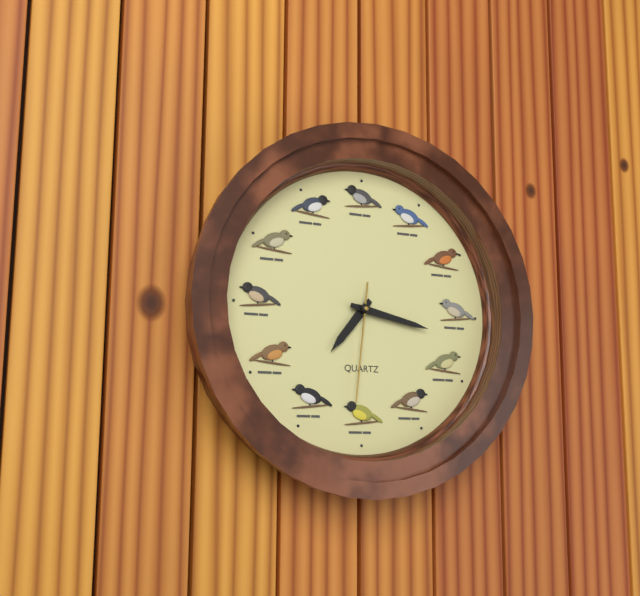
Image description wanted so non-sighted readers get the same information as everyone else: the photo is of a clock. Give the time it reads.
7:17:31
